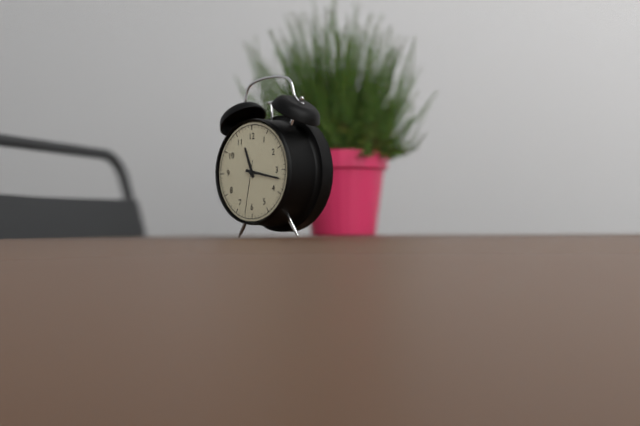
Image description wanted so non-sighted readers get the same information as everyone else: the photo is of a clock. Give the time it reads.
11:17:32
